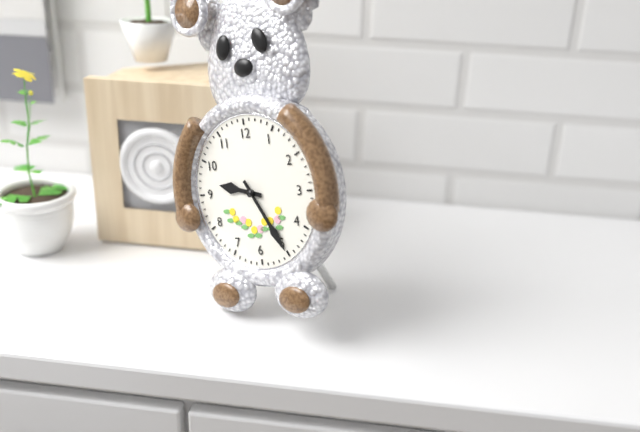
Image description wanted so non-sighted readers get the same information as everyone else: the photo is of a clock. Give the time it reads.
9:25
